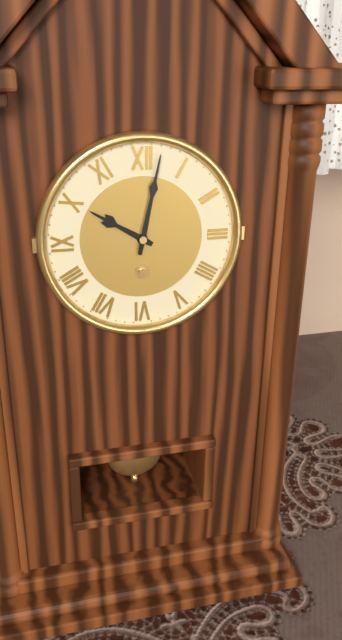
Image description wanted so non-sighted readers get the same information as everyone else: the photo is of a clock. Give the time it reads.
10:02
